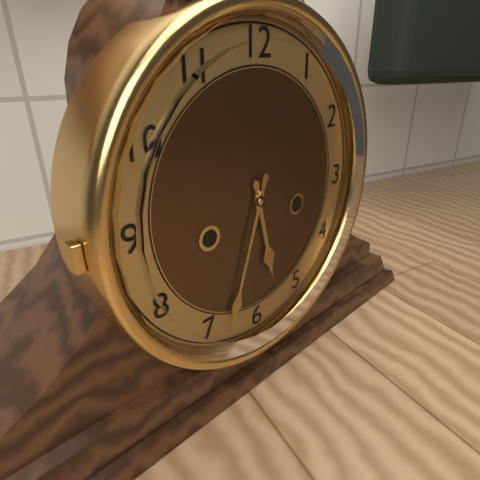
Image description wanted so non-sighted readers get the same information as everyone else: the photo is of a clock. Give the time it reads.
5:33
